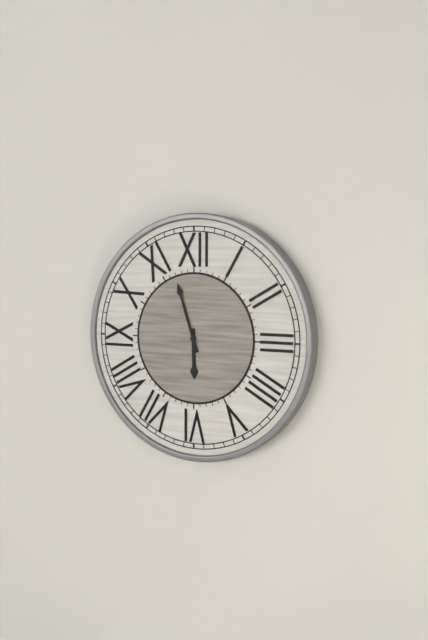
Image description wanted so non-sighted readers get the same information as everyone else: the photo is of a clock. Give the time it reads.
5:57
